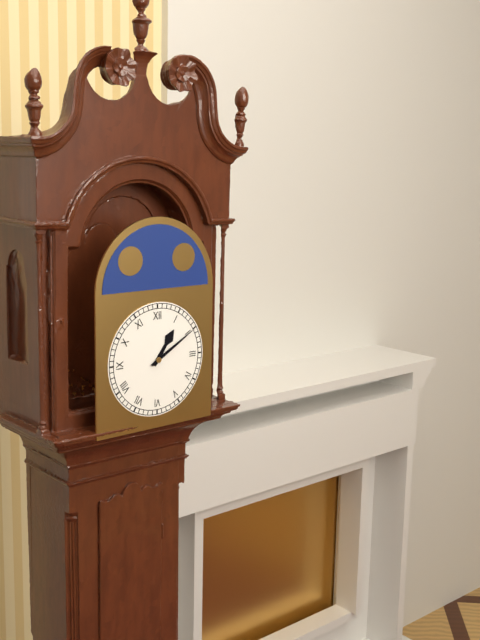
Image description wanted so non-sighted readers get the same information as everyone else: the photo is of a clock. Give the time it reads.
1:10
